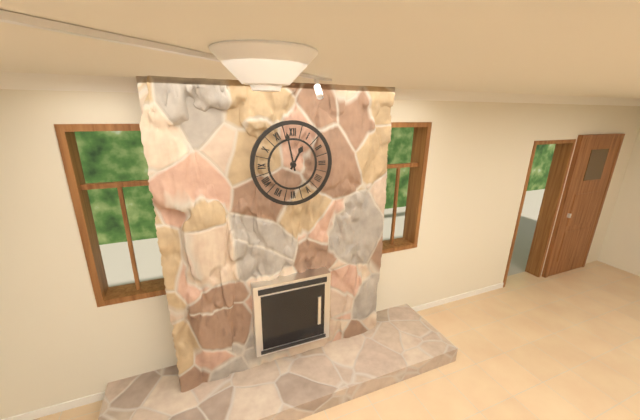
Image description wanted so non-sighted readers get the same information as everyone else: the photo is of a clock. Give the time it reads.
12:58
